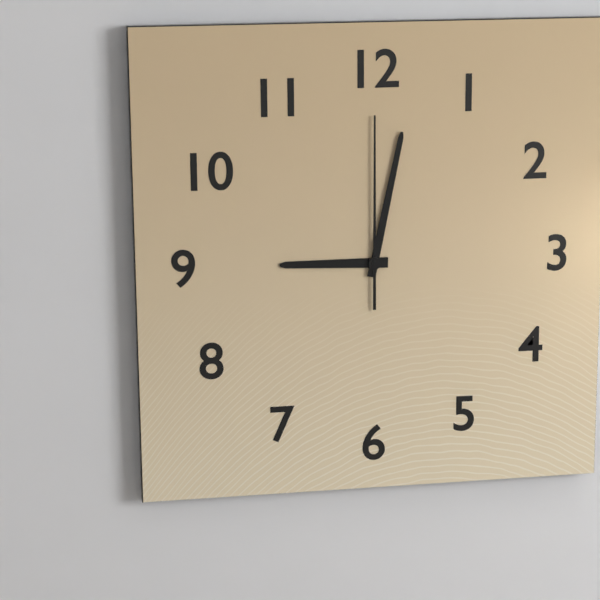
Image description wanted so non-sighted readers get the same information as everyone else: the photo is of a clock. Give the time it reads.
9:02:00
